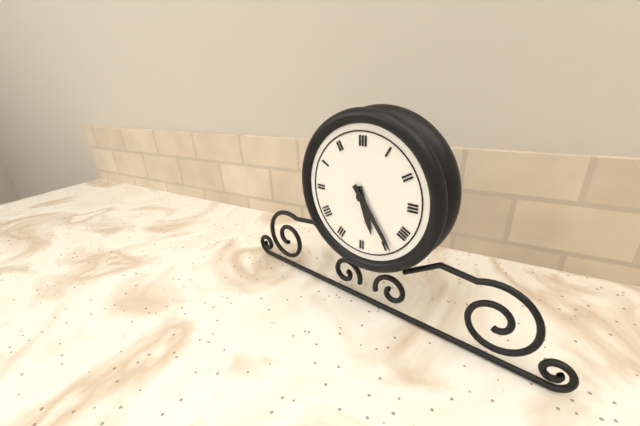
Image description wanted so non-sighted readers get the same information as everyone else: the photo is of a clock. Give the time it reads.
5:24
